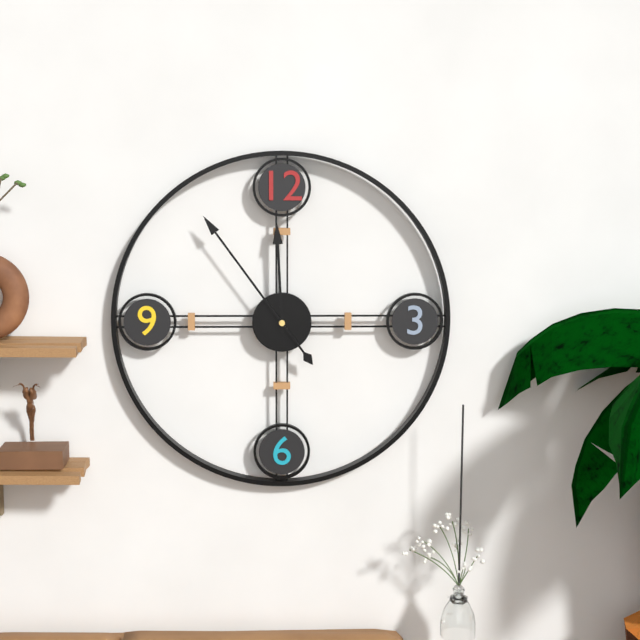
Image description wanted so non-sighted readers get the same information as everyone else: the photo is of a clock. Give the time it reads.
11:54
